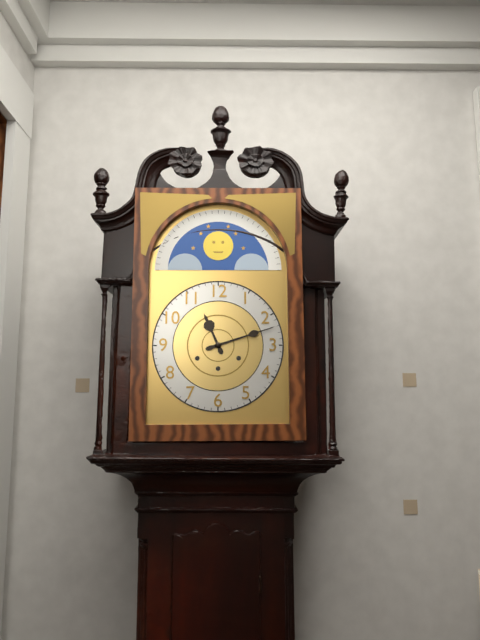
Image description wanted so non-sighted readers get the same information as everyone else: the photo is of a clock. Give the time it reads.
11:12
